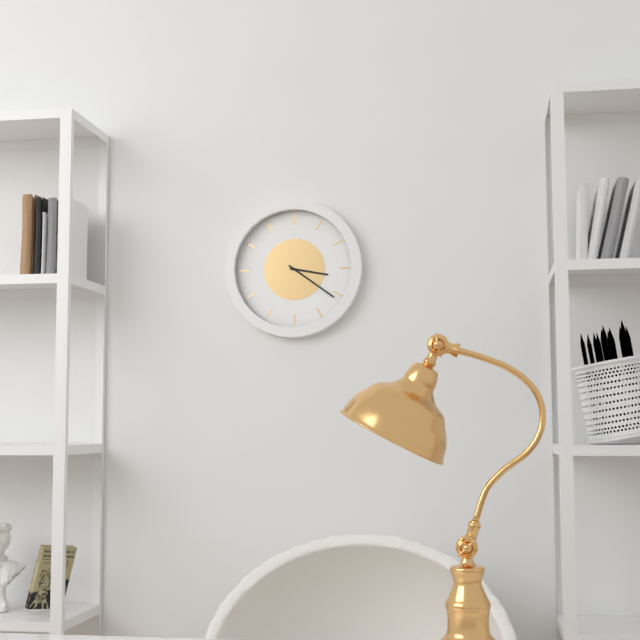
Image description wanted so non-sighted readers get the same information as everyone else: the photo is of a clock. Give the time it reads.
3:21
